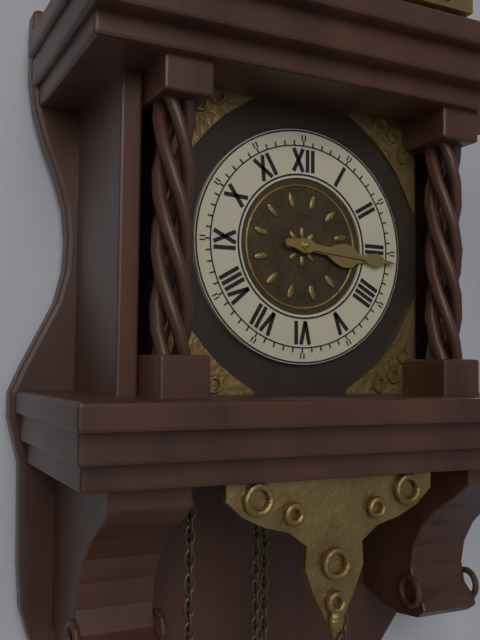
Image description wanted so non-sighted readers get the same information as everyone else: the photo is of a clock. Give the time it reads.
3:16
